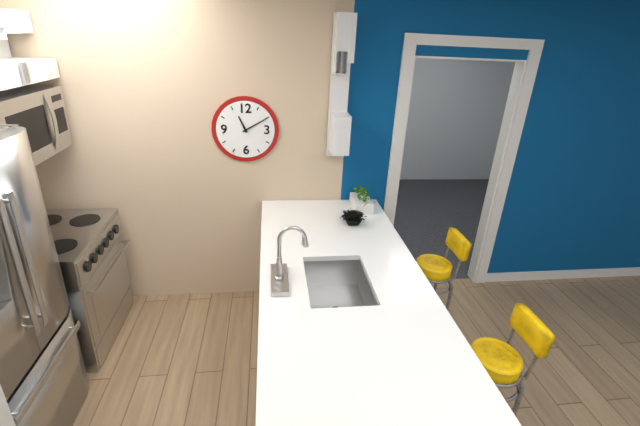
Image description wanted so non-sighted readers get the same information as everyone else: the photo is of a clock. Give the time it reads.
11:10
